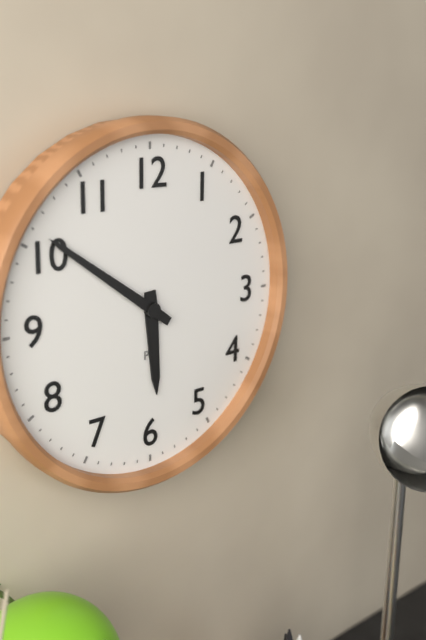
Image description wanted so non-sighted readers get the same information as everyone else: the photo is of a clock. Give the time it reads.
5:51
